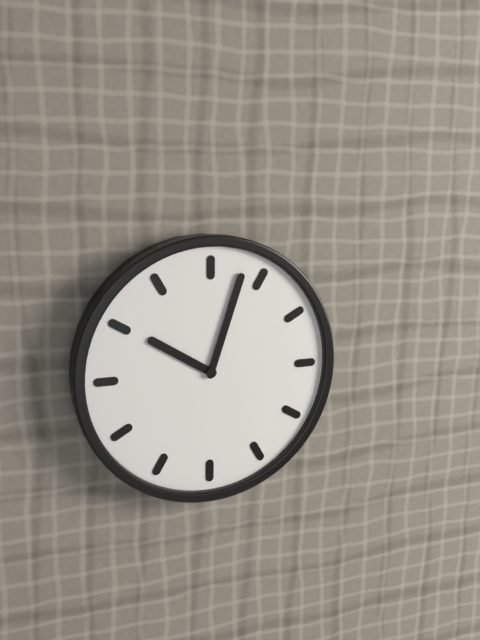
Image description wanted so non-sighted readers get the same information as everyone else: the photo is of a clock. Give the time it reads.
10:03
